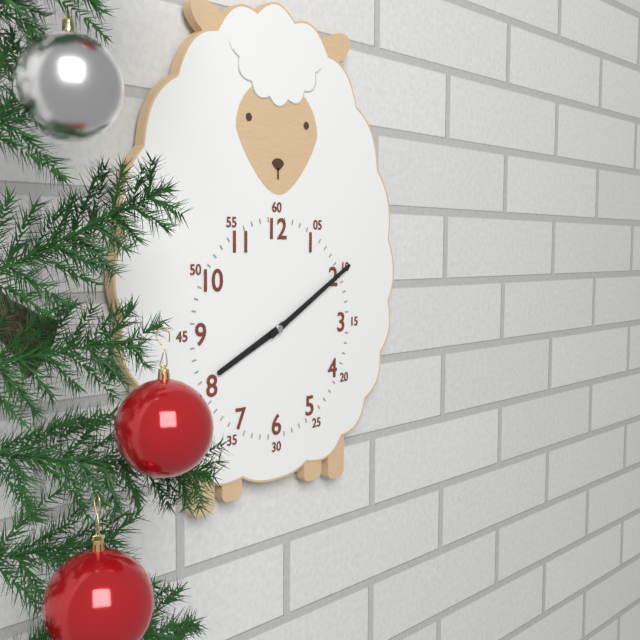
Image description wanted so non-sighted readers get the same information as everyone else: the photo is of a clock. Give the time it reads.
8:10
